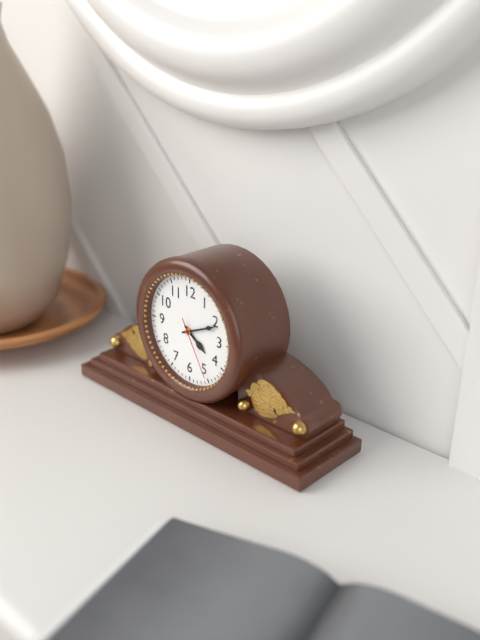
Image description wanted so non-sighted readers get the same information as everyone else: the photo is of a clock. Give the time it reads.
4:11:25
